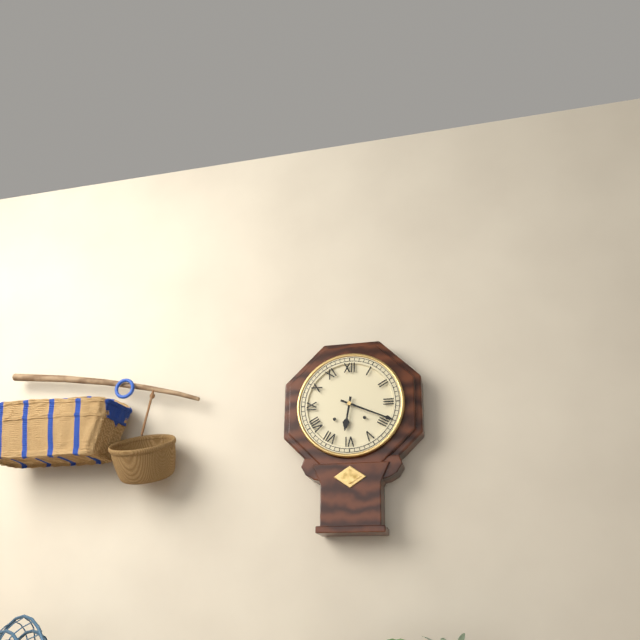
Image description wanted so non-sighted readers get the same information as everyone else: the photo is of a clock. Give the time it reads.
6:19
